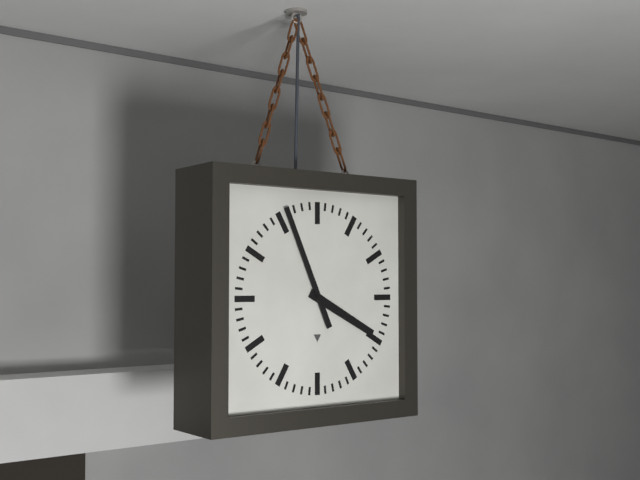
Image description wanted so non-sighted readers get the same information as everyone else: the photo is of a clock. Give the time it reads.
3:56
